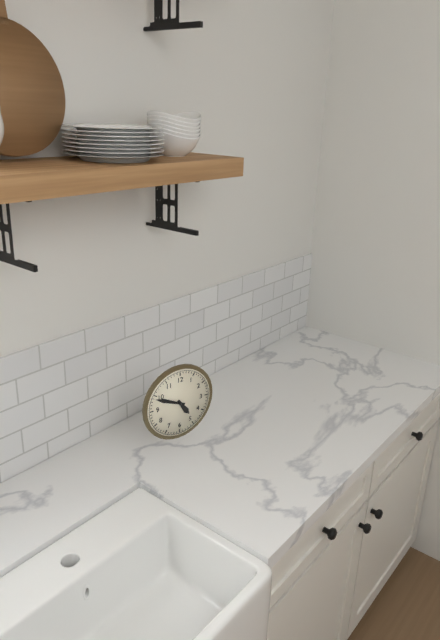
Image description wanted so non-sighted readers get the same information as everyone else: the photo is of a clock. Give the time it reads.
4:49
